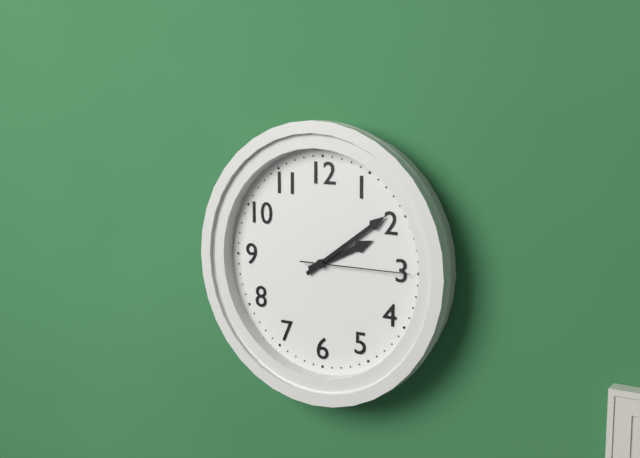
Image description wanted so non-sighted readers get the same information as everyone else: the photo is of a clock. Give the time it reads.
2:09:15
